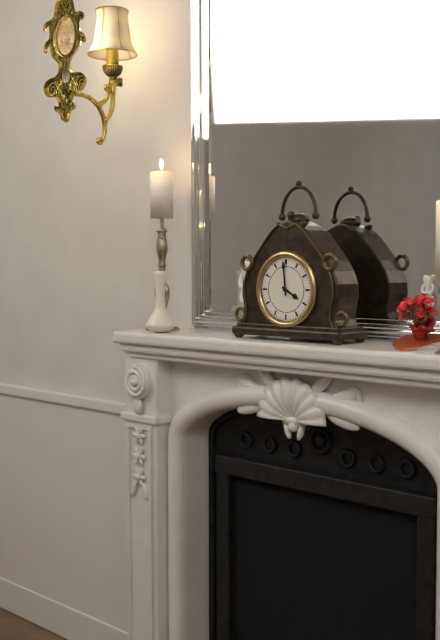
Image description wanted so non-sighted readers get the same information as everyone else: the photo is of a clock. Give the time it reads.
3:59
